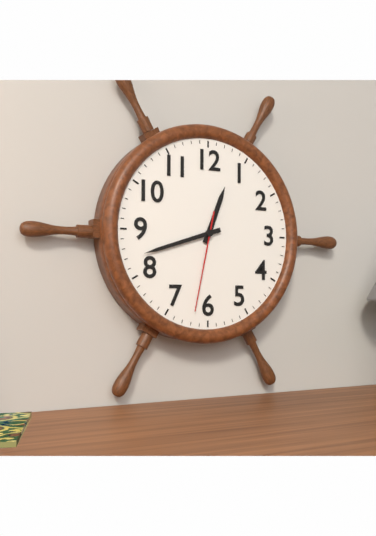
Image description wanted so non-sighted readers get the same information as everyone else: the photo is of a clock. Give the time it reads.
12:42:32
